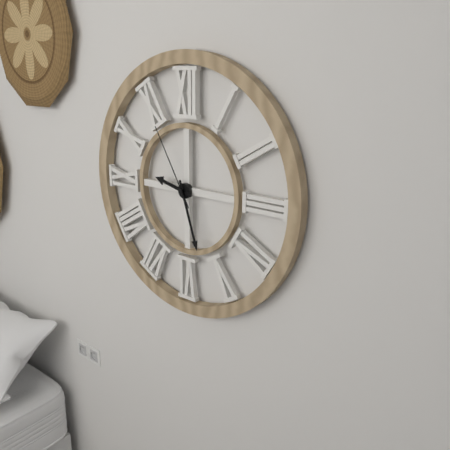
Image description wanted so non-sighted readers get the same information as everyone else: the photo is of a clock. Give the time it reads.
9:27:55
